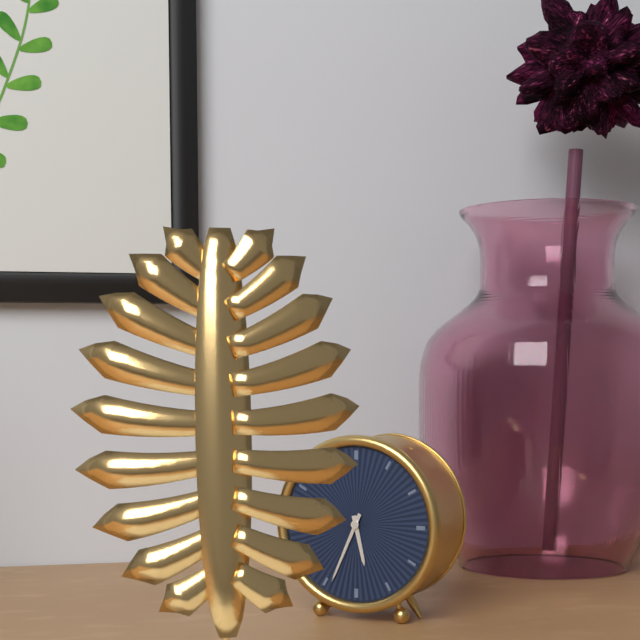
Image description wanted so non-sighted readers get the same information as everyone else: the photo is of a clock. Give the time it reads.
5:34
